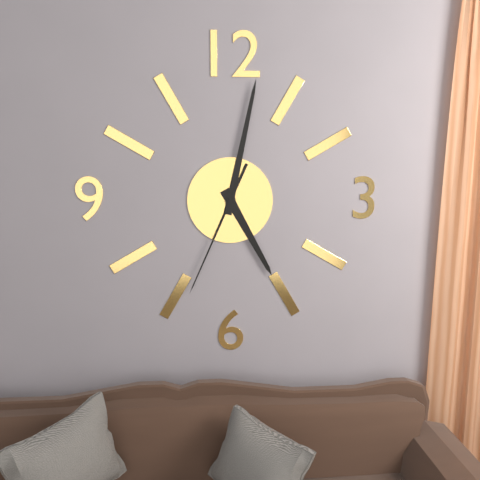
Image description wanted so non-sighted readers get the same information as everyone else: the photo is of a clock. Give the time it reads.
5:02:34
